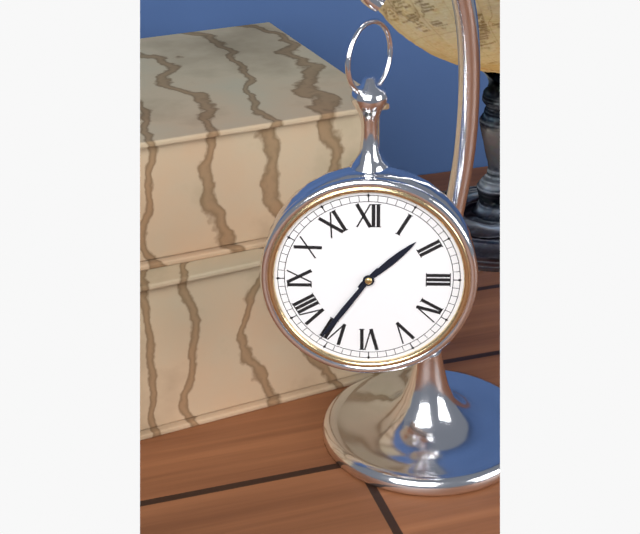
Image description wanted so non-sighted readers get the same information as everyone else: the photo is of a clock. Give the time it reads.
1:36
